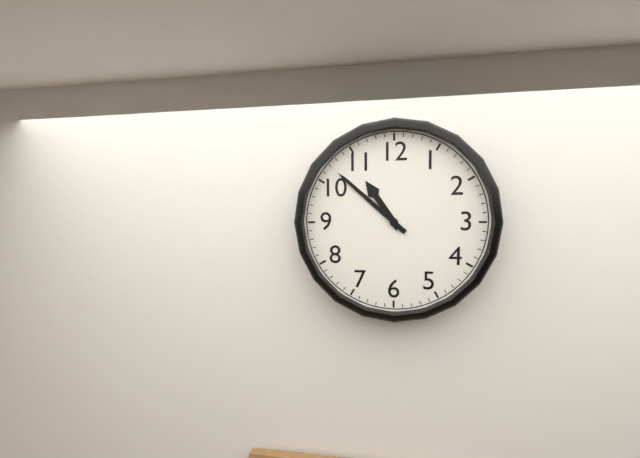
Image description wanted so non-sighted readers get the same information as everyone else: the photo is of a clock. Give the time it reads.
10:52
